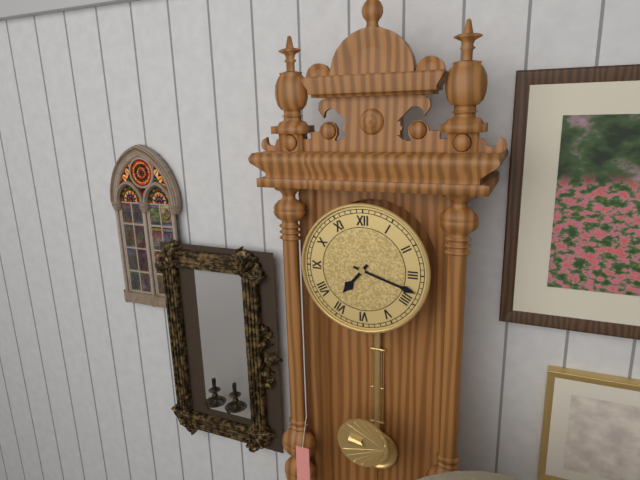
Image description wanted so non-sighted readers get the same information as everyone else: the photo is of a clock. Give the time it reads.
7:18
